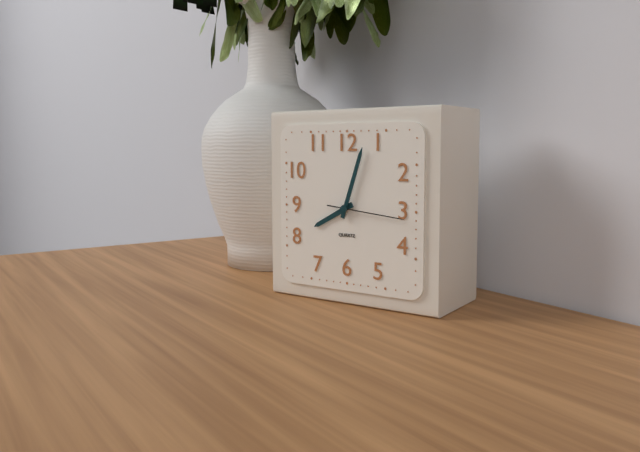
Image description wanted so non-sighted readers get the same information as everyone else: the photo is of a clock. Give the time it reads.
8:03:16
